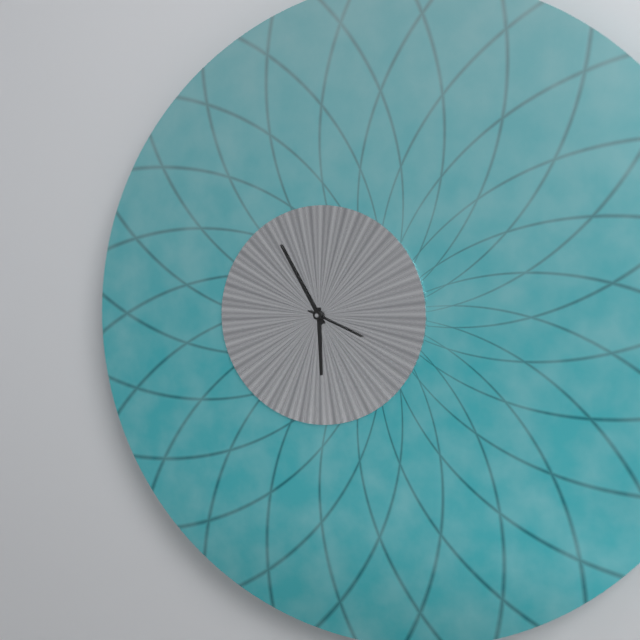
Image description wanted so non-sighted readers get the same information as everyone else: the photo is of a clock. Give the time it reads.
5:55:19
